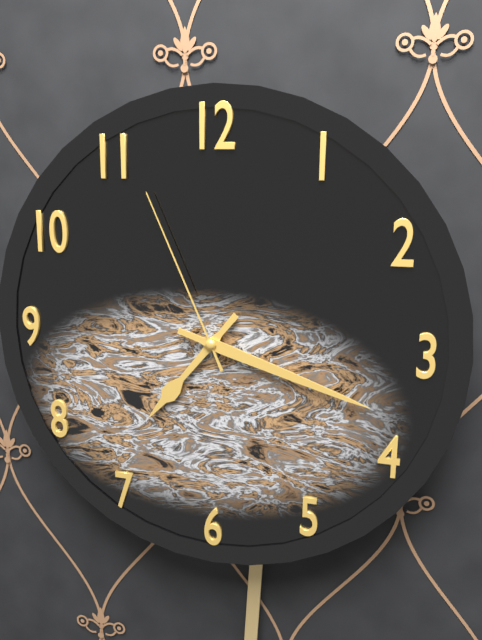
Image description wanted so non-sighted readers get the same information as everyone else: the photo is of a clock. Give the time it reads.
7:18:56
